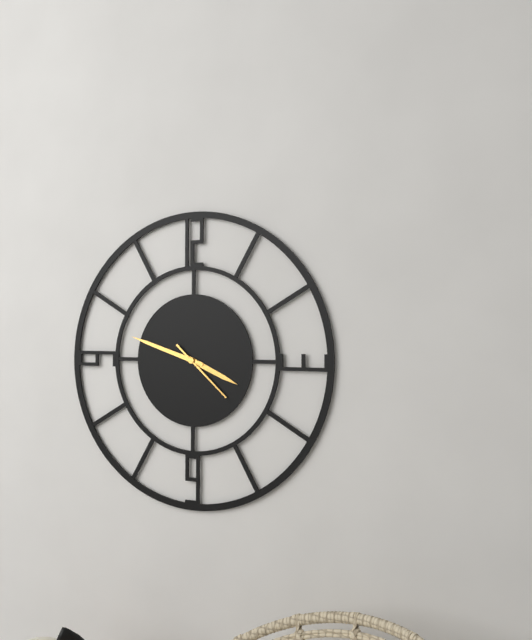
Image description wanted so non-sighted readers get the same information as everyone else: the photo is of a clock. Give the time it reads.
3:48:22
